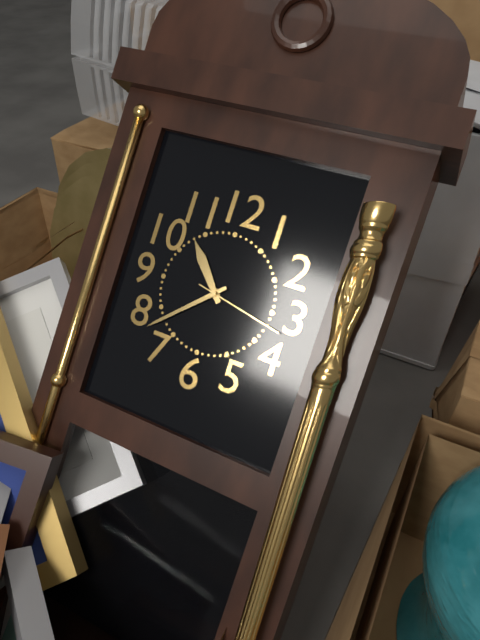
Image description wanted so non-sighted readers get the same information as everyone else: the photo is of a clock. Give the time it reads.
10:38:17
